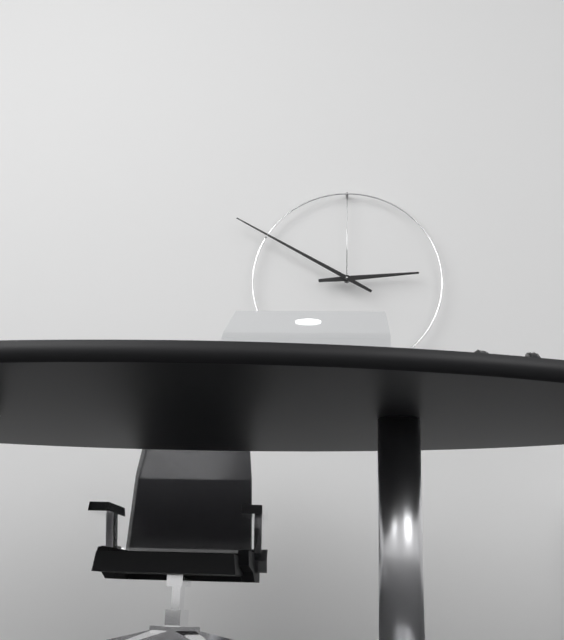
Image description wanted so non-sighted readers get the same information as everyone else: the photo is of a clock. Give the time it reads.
2:50
